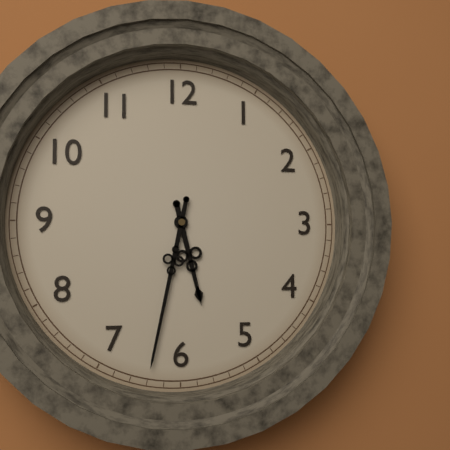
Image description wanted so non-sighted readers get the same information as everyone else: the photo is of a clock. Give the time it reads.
5:32
